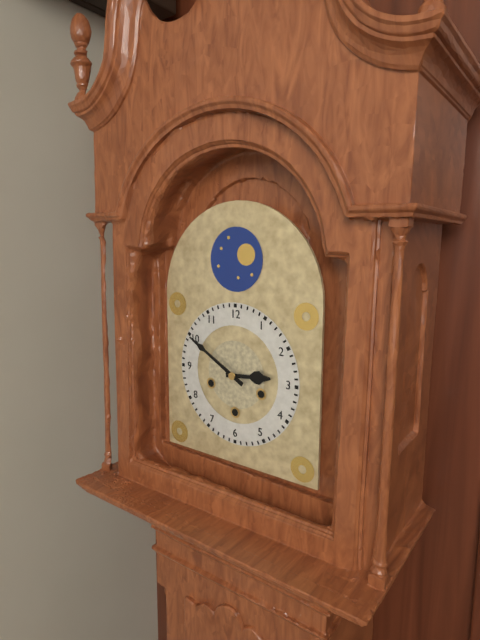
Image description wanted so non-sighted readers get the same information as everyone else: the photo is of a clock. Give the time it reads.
2:50
